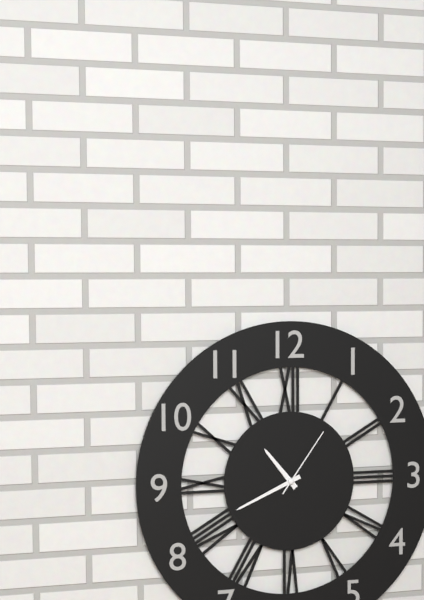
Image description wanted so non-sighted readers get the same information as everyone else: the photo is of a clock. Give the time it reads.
10:41:06
